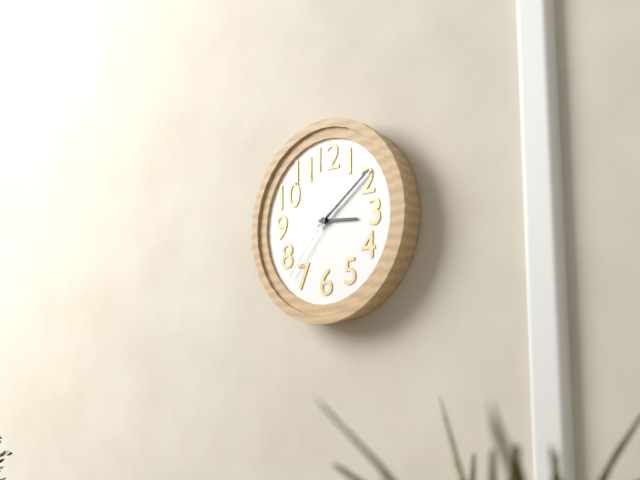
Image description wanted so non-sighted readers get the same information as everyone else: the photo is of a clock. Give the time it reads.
3:09:37
